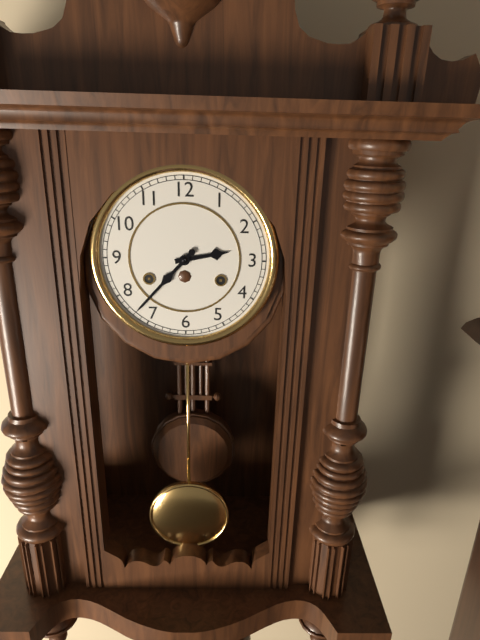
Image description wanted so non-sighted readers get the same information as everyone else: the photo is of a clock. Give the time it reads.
2:37
